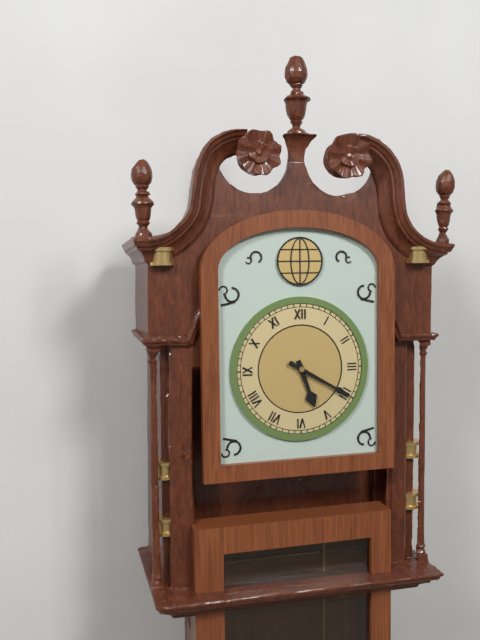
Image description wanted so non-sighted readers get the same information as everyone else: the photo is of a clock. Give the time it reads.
5:20
